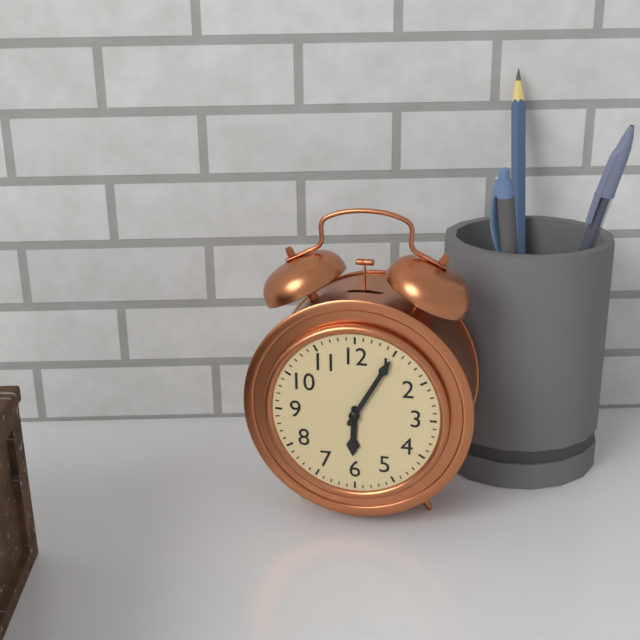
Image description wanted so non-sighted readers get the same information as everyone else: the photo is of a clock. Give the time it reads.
6:05
